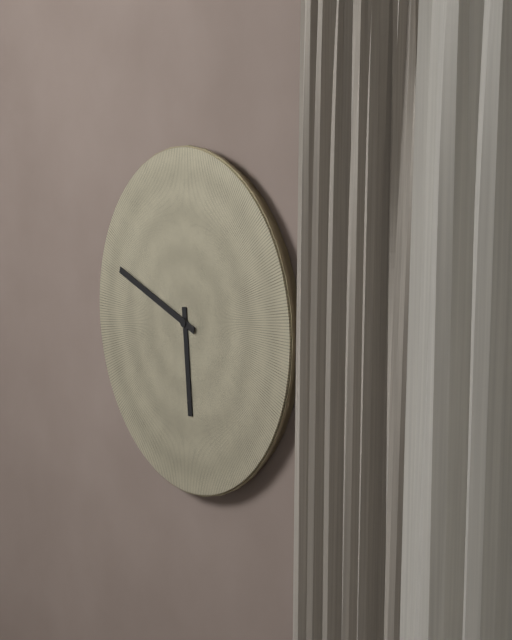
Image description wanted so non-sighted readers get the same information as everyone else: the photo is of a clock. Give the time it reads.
5:48
